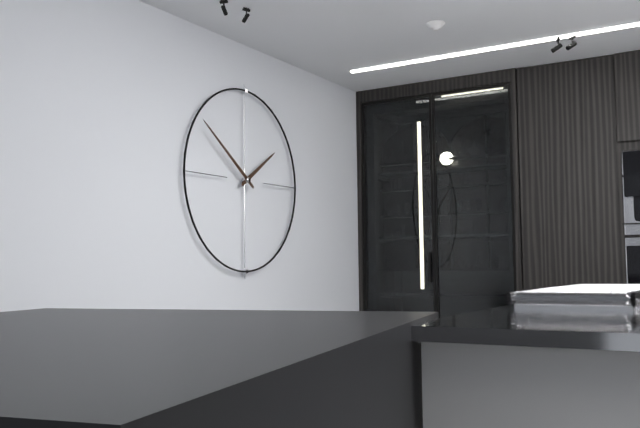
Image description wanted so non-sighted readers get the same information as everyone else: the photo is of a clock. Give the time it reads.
1:51
